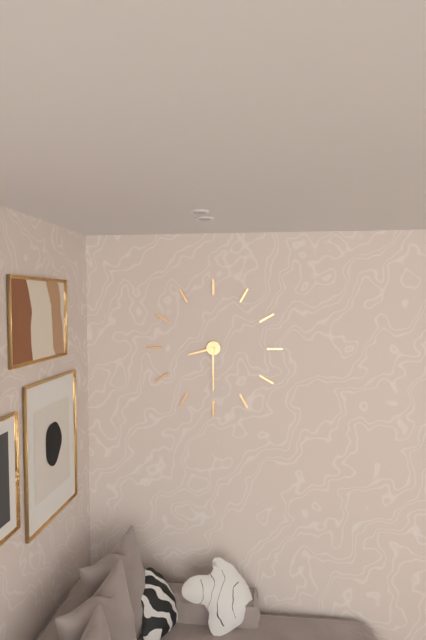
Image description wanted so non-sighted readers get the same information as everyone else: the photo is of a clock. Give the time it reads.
8:30
